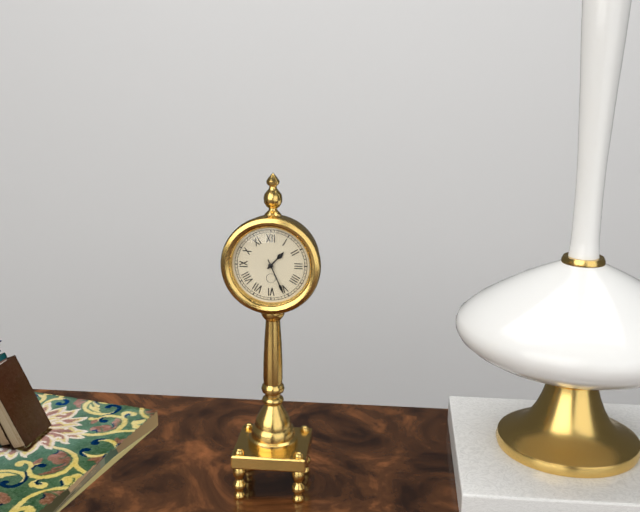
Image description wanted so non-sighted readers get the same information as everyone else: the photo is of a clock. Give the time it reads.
1:26
